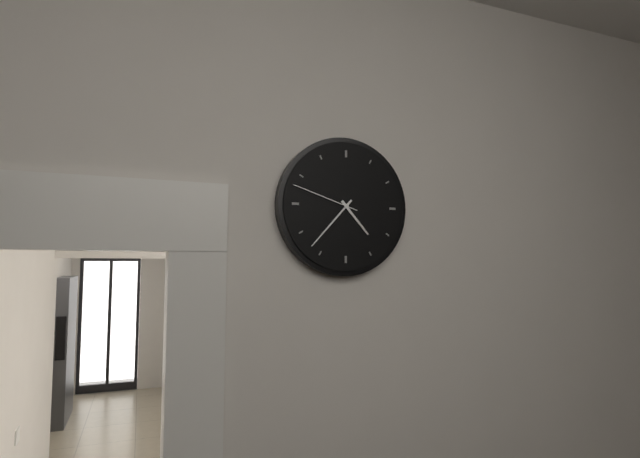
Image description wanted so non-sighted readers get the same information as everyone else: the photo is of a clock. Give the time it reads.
4:37:48
